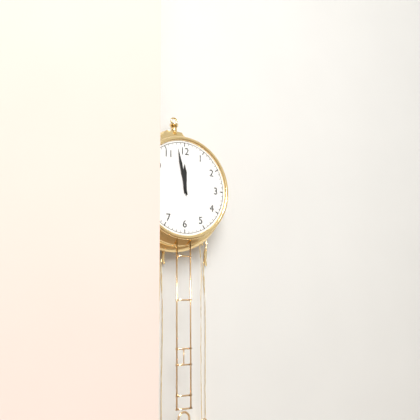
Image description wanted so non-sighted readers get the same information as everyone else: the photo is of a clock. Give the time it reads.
11:58
